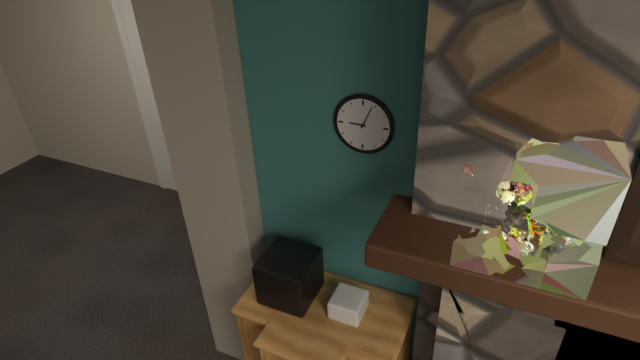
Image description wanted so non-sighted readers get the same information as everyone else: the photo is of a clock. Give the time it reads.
9:04
